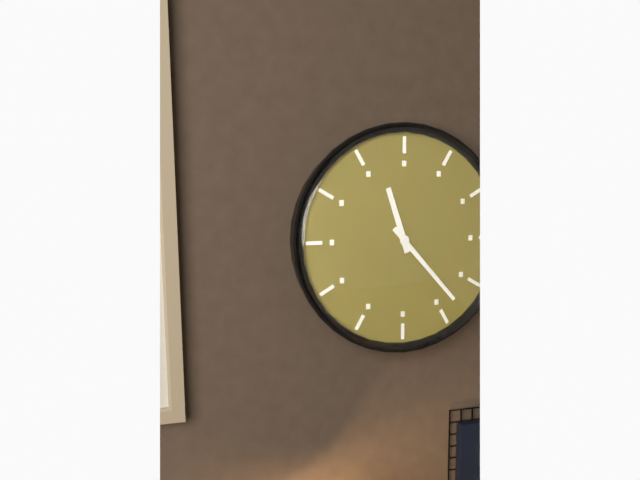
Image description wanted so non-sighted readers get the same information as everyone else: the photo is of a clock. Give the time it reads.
11:23
